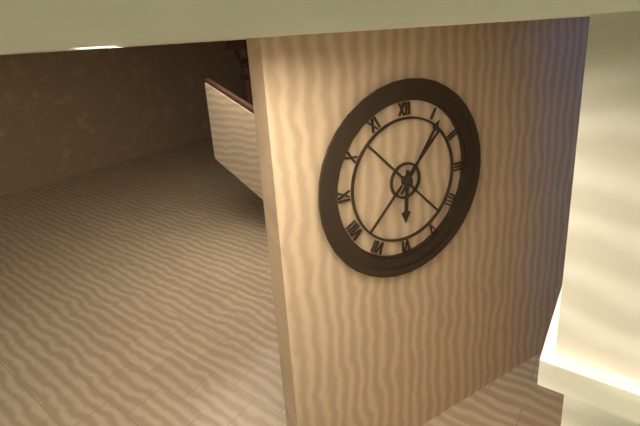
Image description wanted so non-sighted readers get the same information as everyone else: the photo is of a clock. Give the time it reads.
6:06
